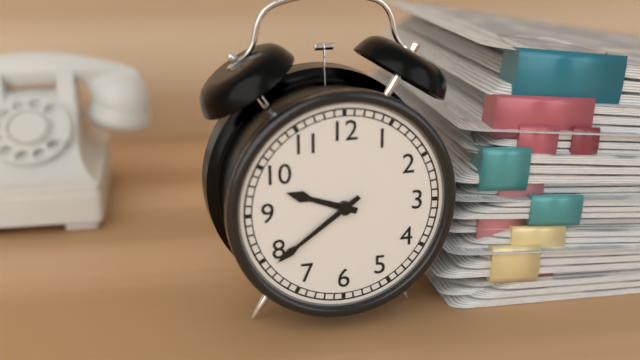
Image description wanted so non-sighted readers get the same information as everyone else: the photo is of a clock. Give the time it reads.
9:39
